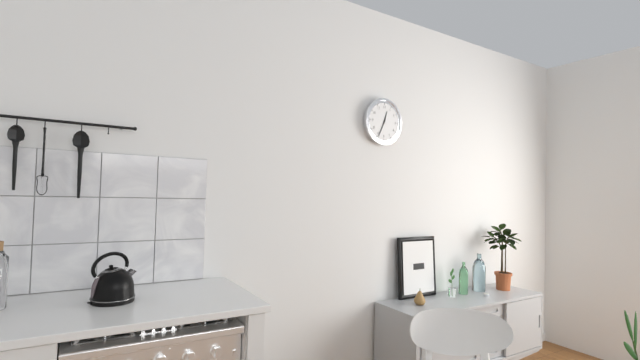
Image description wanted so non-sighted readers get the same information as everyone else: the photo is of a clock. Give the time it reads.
12:34
